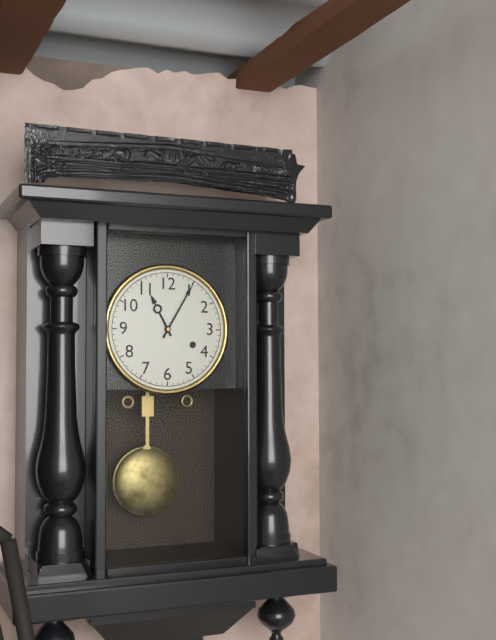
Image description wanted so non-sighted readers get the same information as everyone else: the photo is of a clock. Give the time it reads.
11:05
